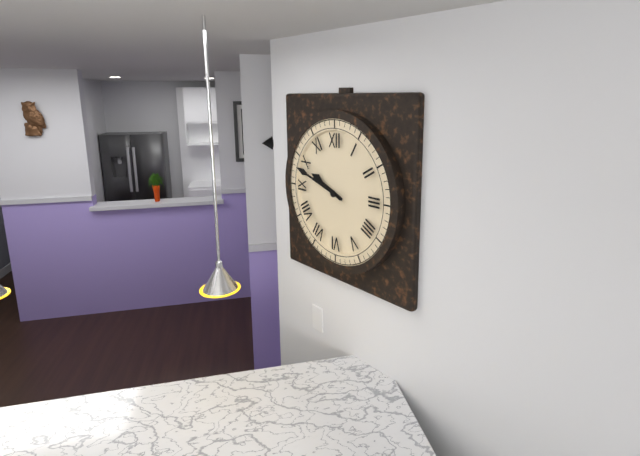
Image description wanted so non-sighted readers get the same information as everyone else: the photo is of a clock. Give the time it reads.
9:48
